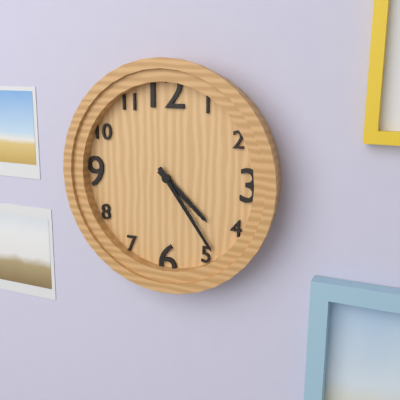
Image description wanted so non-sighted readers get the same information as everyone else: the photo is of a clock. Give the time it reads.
4:24
